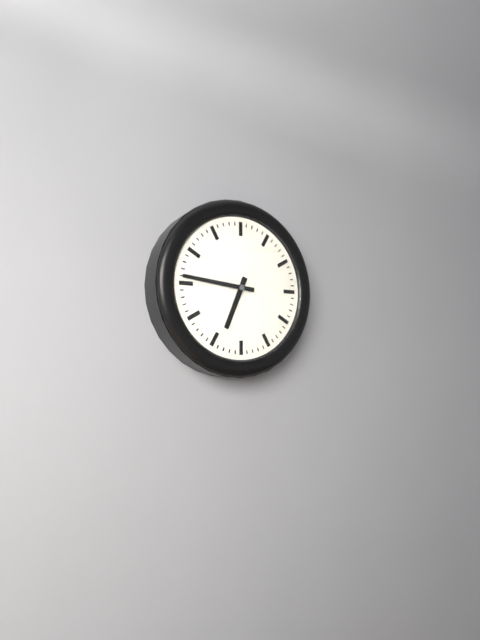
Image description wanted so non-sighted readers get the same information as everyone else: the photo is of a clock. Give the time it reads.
6:46
